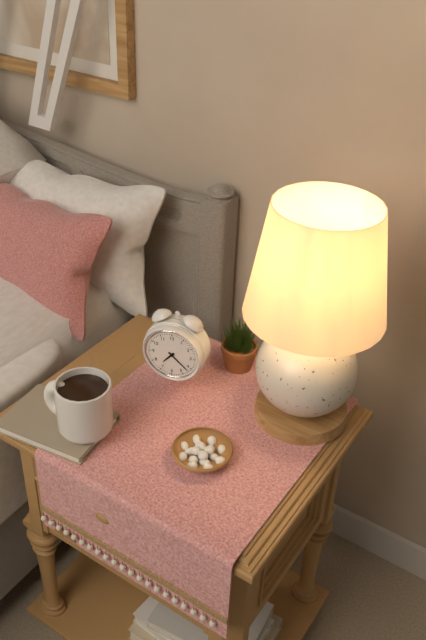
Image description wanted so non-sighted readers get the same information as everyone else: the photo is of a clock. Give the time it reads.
7:22
